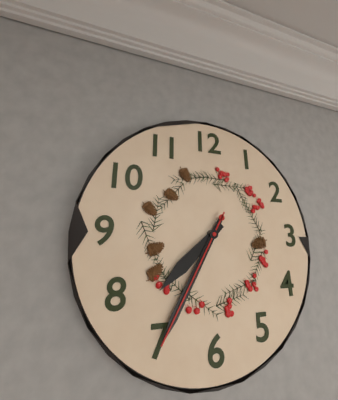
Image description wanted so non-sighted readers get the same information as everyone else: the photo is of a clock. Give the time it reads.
7:35:35
